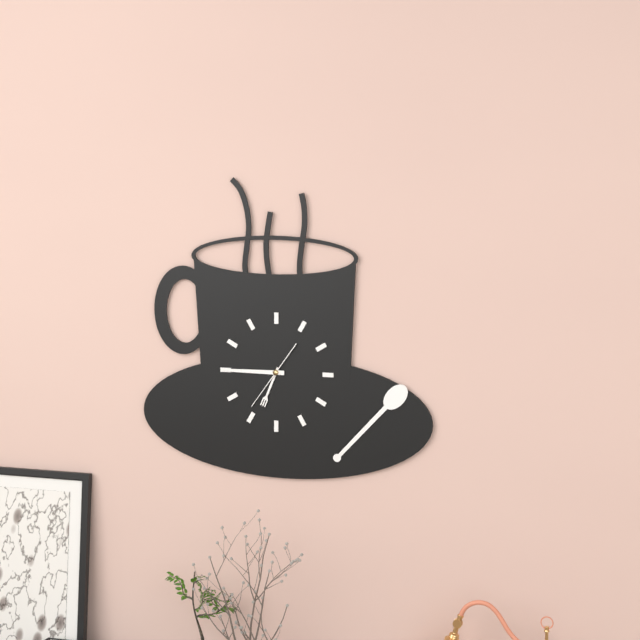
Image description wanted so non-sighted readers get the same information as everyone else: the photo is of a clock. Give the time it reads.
6:45:36
